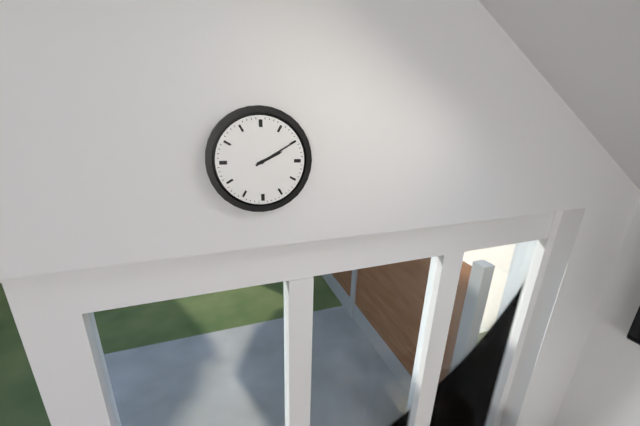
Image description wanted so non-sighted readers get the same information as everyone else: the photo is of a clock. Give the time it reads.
2:10
